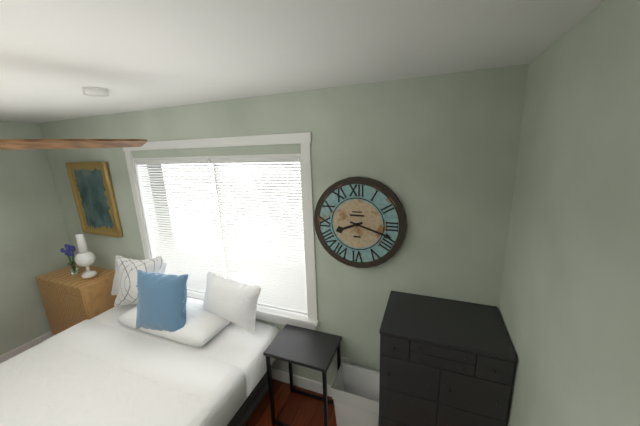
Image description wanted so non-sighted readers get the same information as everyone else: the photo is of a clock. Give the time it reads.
8:18
